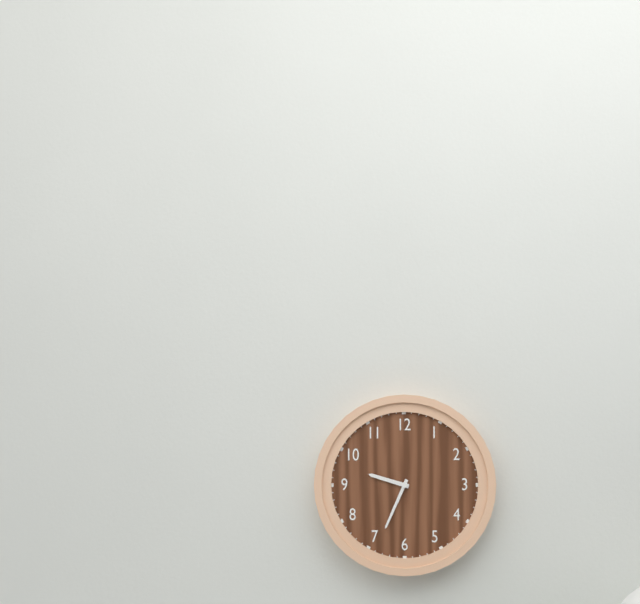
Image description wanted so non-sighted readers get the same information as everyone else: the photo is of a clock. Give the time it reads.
9:34
